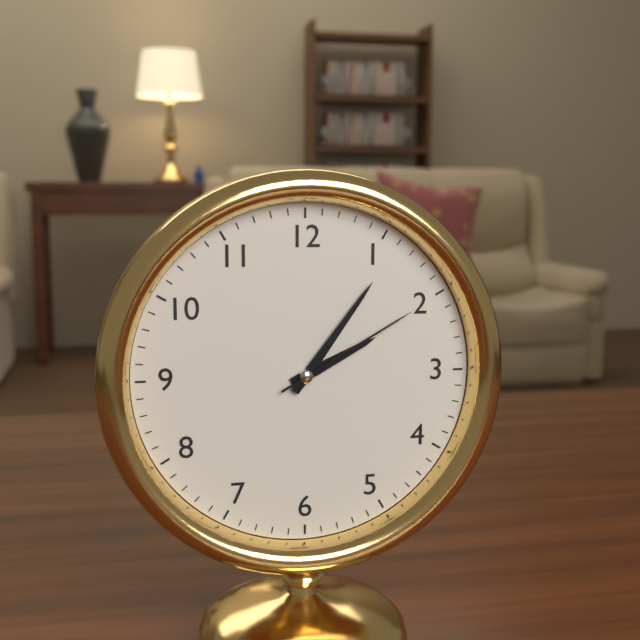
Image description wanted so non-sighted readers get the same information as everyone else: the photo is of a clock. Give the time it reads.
2:06:10
